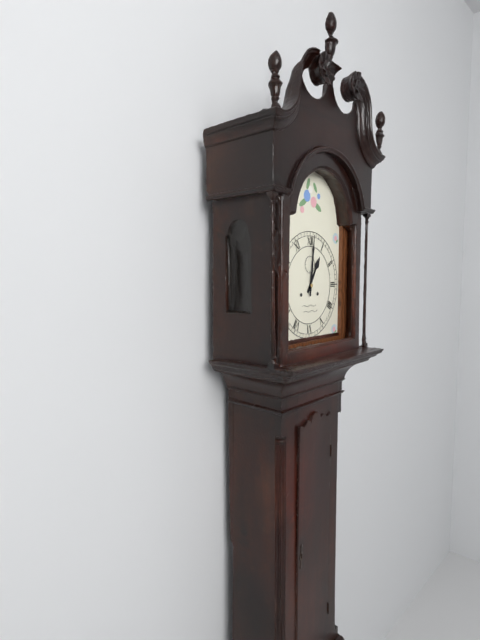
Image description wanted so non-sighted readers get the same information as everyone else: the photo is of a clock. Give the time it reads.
1:01
